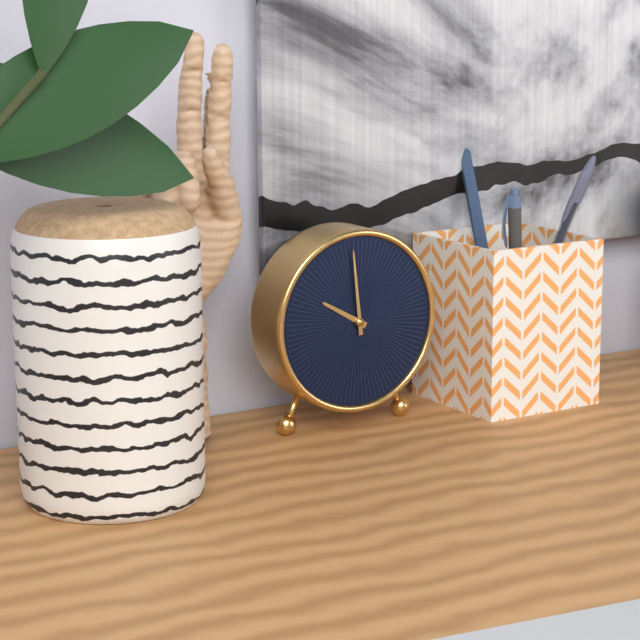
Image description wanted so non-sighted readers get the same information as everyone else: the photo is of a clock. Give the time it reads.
9:59
